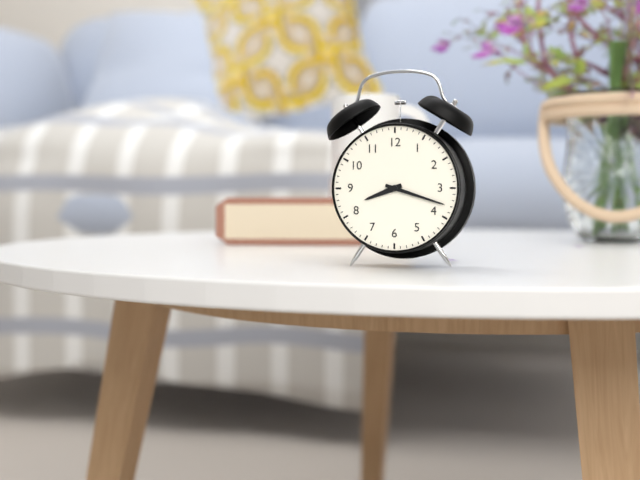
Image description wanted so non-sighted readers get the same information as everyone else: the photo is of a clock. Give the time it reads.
8:18
